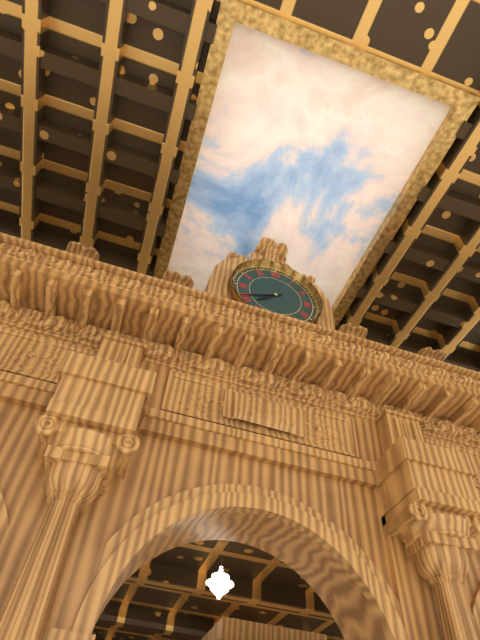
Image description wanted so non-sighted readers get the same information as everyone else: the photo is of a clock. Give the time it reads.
7:41
